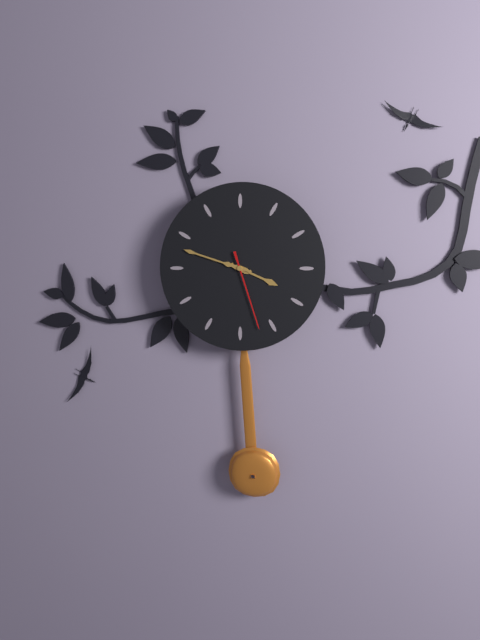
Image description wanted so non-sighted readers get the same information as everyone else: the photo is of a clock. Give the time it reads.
3:48:27
